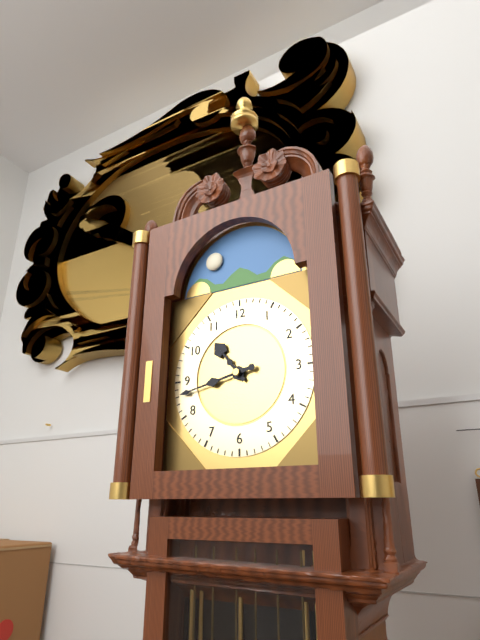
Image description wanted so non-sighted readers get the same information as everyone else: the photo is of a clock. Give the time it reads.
10:43
